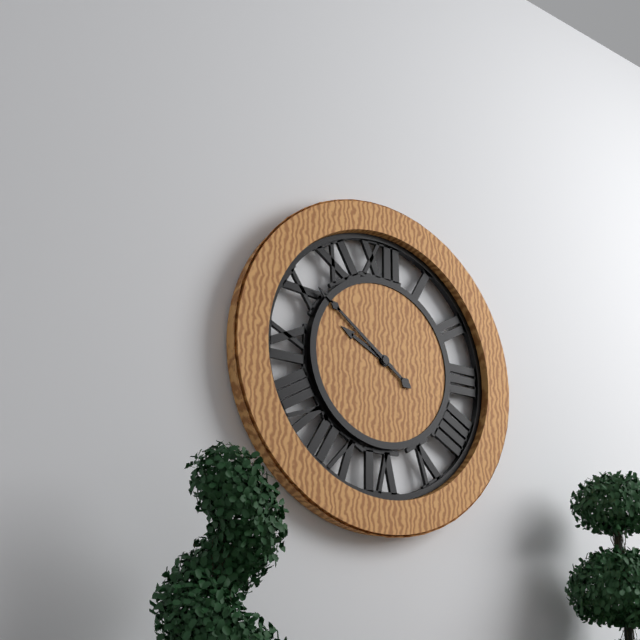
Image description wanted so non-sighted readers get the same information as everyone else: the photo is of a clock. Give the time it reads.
9:51
